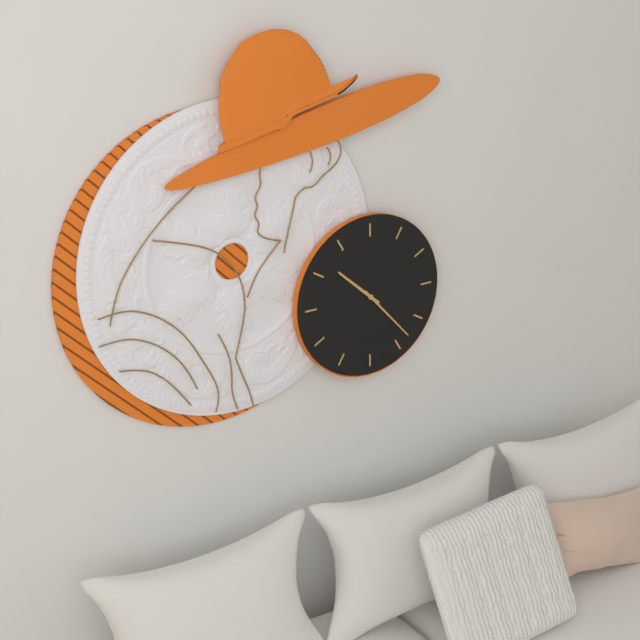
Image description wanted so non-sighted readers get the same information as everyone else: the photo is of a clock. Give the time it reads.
10:23
